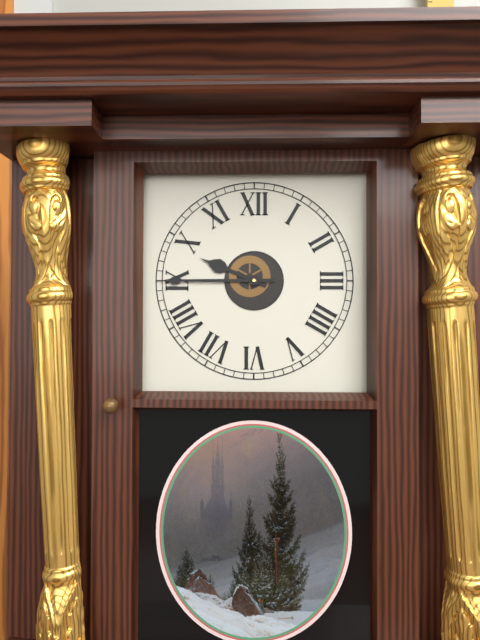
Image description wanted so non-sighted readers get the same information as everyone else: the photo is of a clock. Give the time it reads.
9:45
